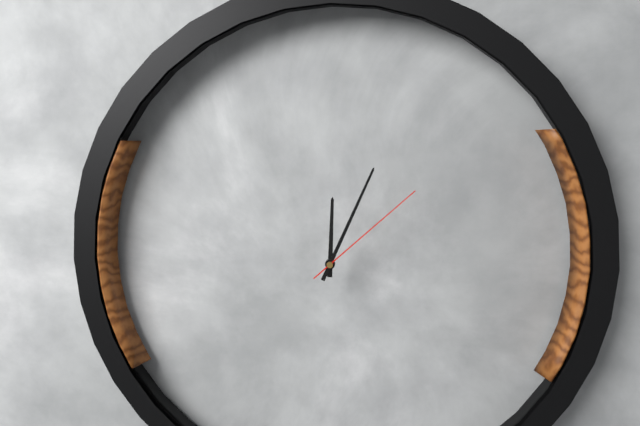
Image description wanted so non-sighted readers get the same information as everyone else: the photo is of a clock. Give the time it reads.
12:04:08
